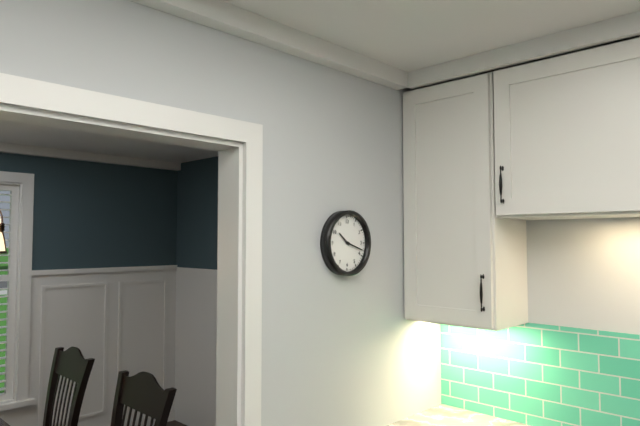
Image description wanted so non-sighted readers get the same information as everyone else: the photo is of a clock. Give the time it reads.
10:18
